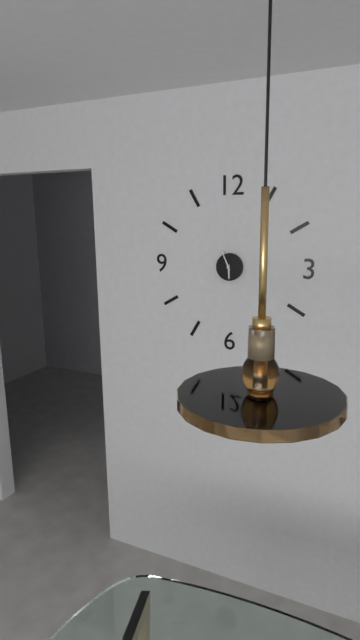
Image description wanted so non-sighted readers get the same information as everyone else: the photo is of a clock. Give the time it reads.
5:56
